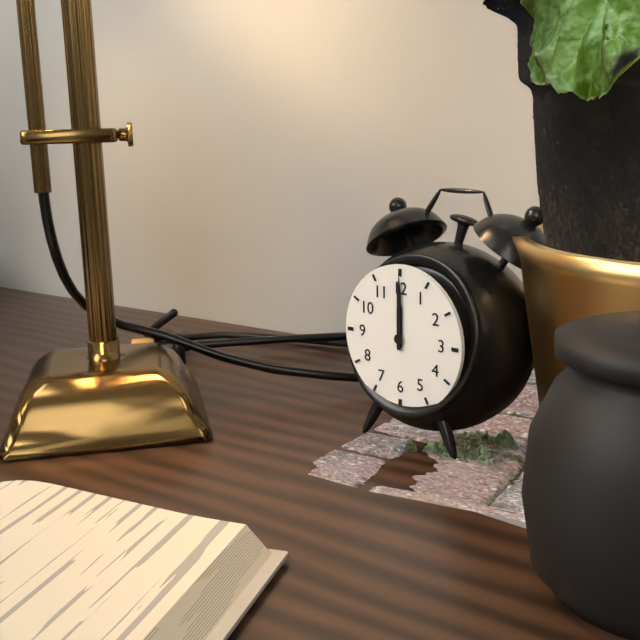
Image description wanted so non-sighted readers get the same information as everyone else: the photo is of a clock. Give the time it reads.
12:00
